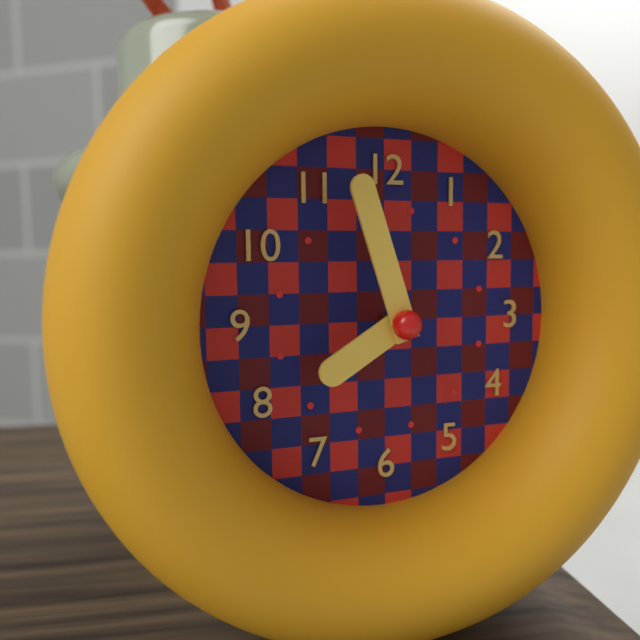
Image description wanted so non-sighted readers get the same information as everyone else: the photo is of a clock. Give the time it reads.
7:57
